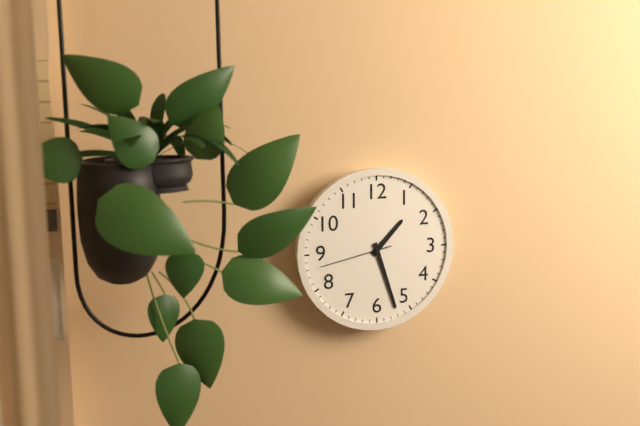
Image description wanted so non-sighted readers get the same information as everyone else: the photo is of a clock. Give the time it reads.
1:27:43
